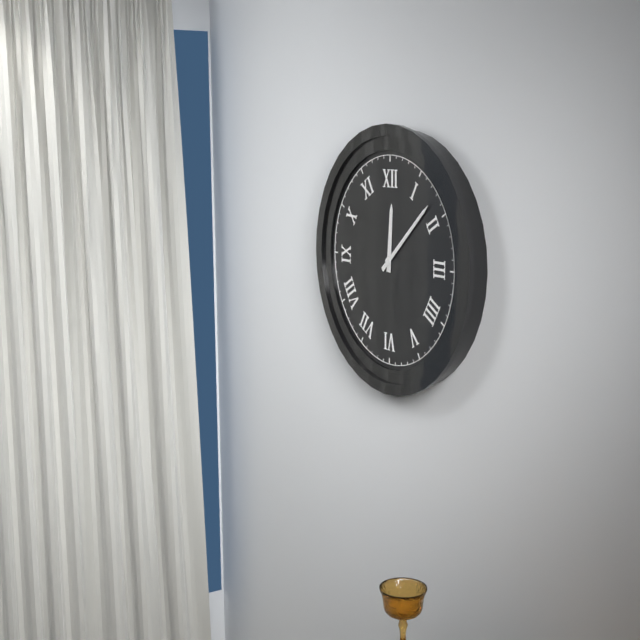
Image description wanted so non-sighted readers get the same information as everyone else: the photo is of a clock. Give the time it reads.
12:08
